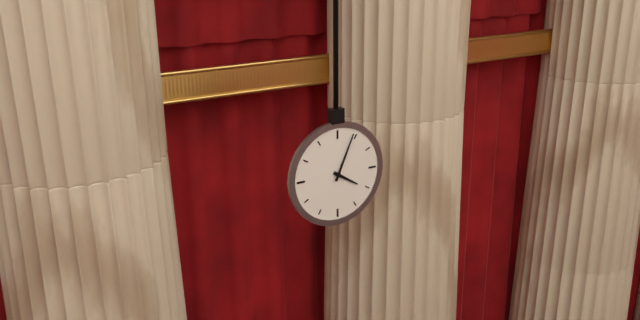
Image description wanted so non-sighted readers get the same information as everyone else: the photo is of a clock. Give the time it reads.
4:04
